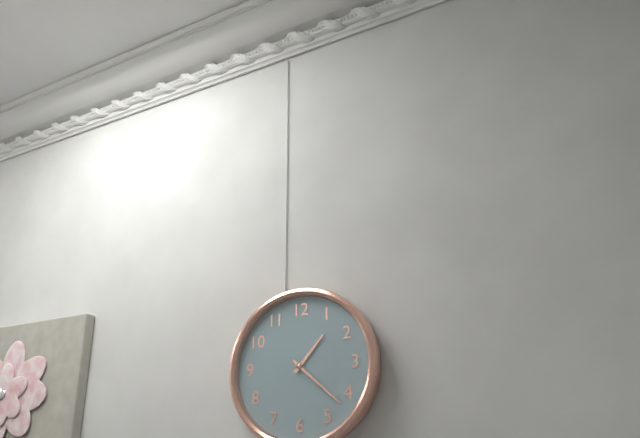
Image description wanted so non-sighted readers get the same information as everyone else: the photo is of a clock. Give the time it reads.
1:22
